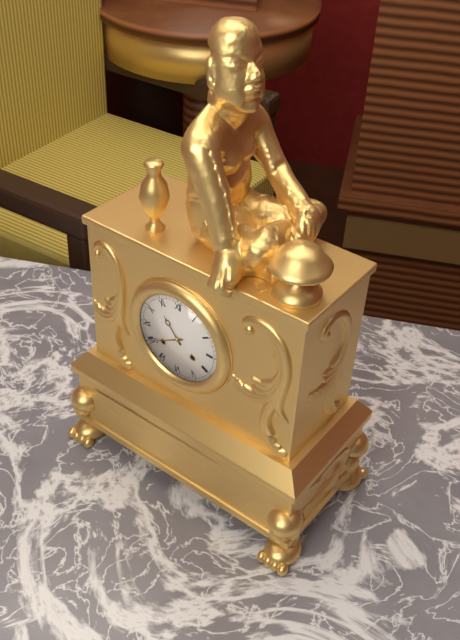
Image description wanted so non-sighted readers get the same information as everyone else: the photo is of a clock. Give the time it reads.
10:40
